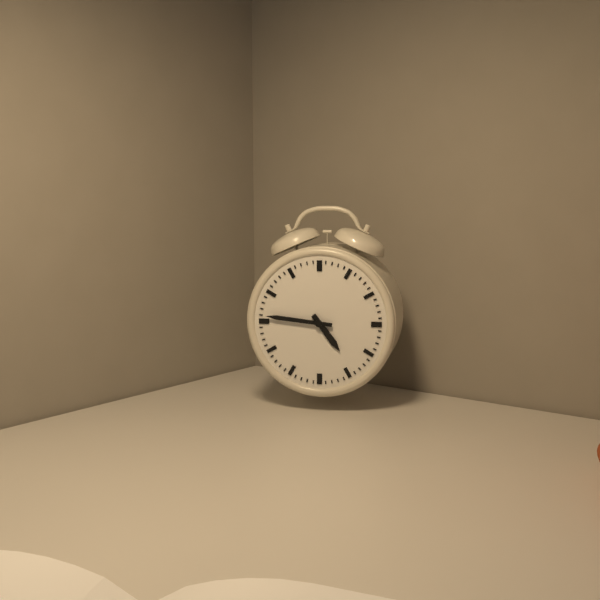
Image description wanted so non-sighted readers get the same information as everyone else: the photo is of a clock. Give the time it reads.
4:46
